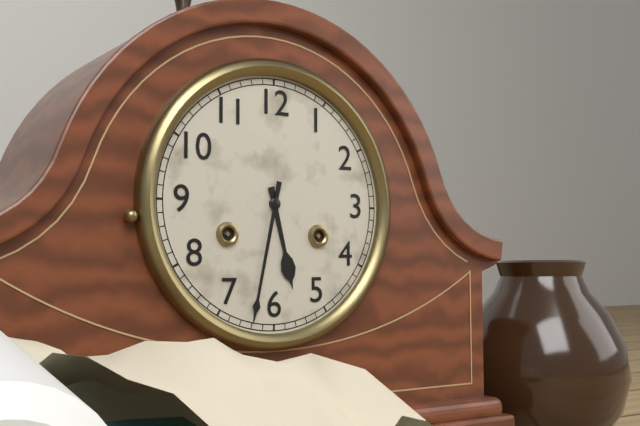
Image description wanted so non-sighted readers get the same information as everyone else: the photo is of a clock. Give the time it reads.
5:32
